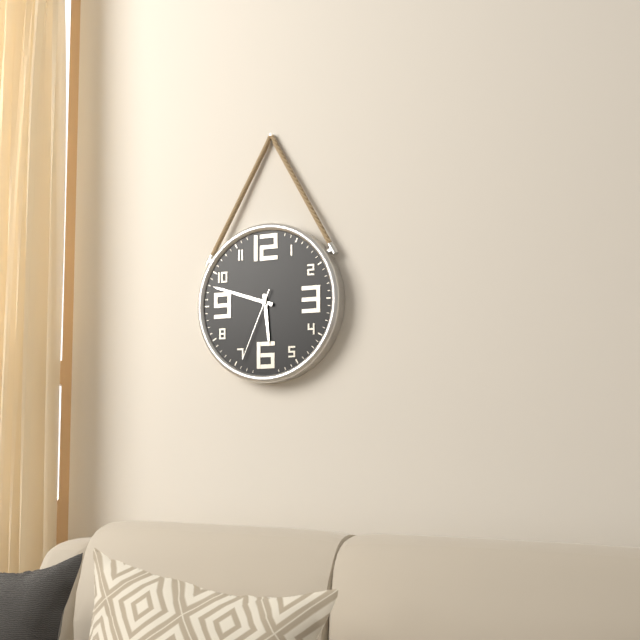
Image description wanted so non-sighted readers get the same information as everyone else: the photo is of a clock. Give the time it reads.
5:48:34
